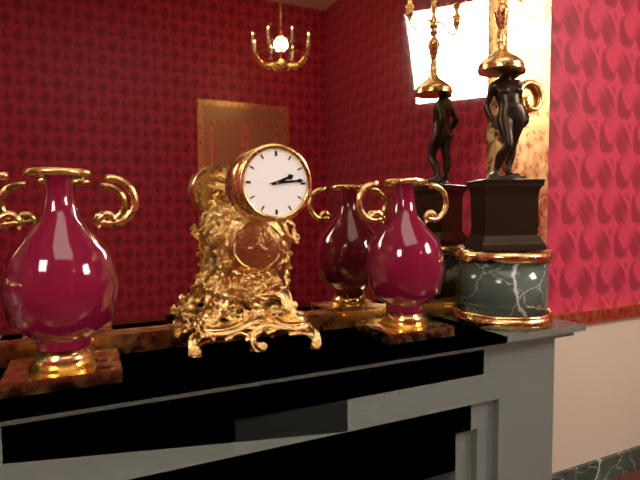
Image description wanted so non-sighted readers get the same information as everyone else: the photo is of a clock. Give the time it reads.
2:14
